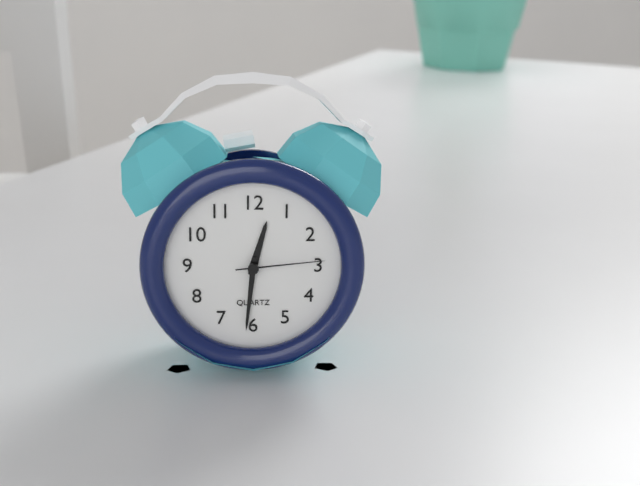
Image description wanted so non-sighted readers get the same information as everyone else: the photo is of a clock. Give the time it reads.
12:31:14
